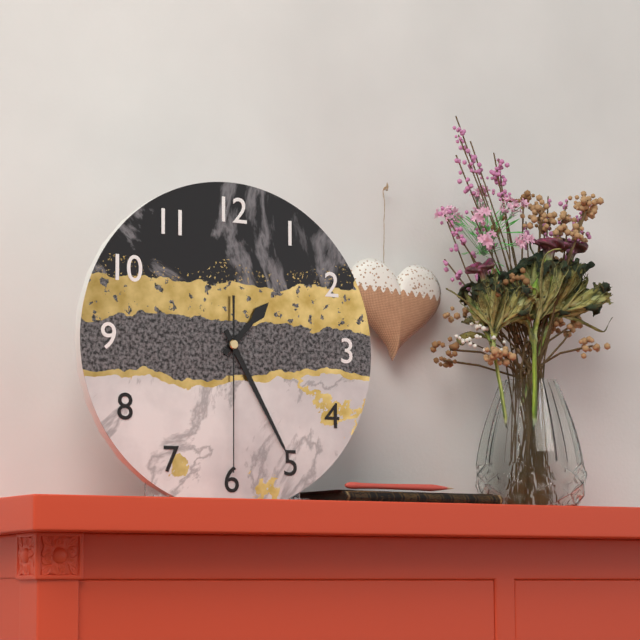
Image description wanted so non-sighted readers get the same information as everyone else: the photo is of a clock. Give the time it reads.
1:25:30
